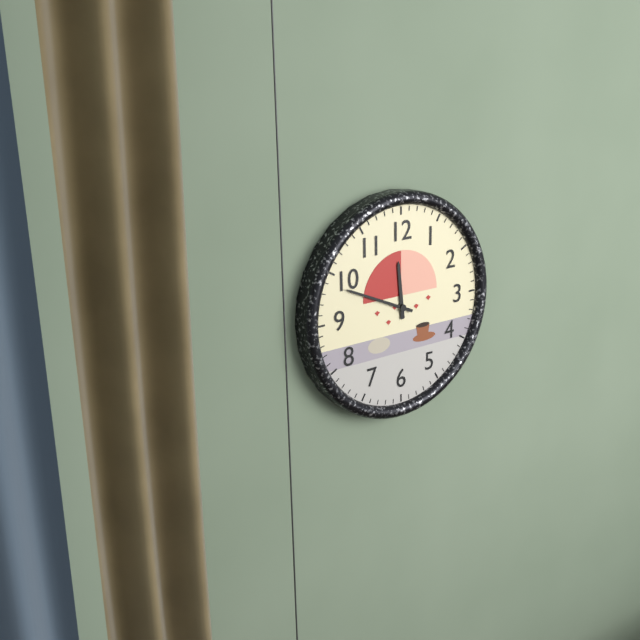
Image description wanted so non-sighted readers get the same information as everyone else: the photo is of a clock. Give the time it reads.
11:49
